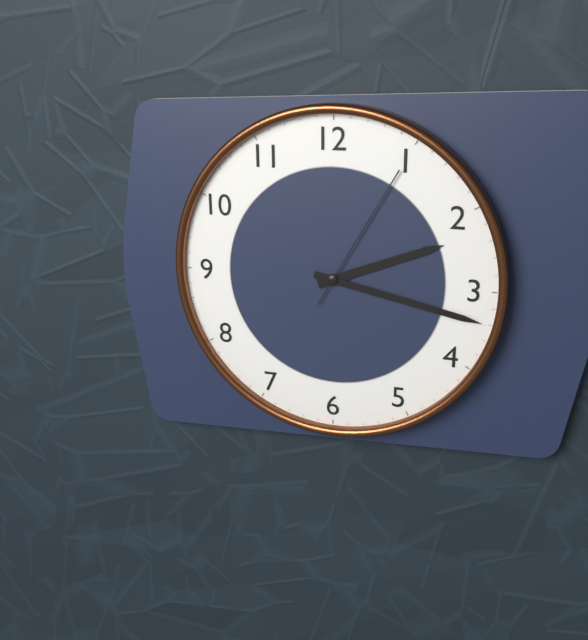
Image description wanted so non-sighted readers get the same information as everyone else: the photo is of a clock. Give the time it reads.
2:17:05
